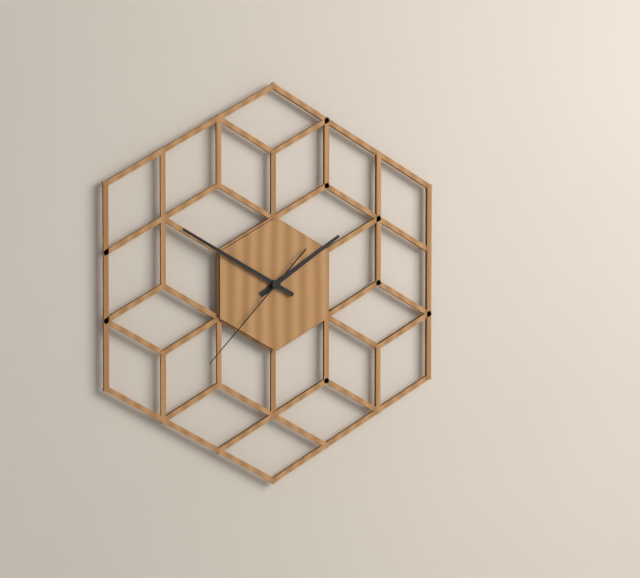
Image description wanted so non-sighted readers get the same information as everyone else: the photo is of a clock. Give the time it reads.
1:50:37
